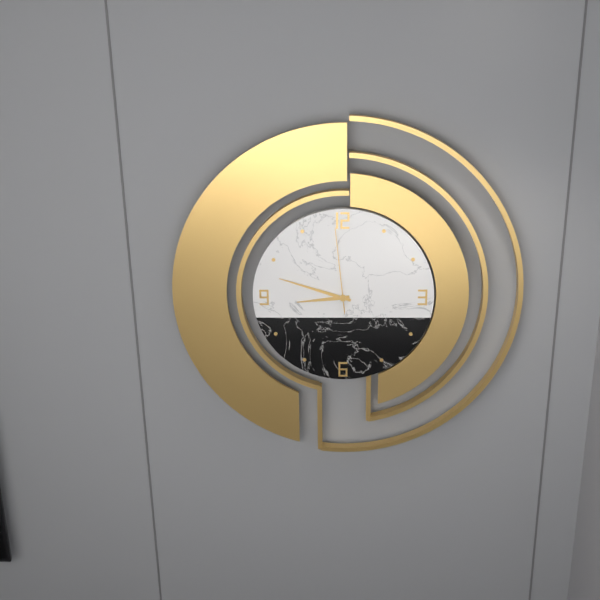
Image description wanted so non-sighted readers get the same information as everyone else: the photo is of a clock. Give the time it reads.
8:48:59
